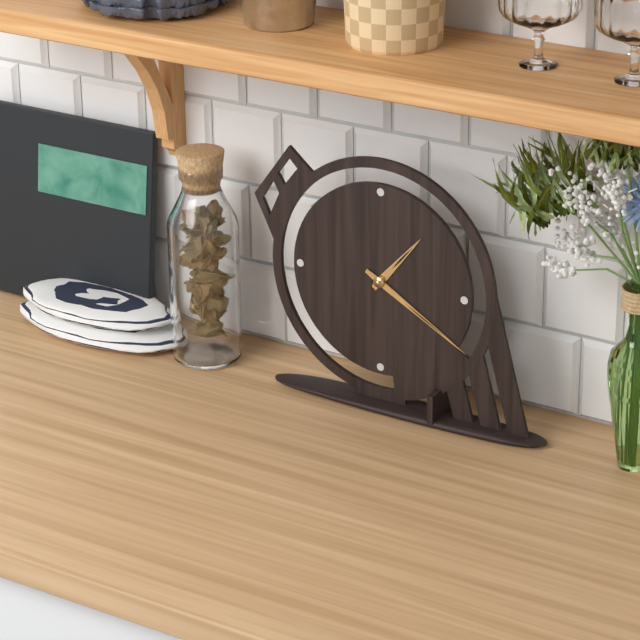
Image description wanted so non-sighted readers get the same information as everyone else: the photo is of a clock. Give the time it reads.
1:20
